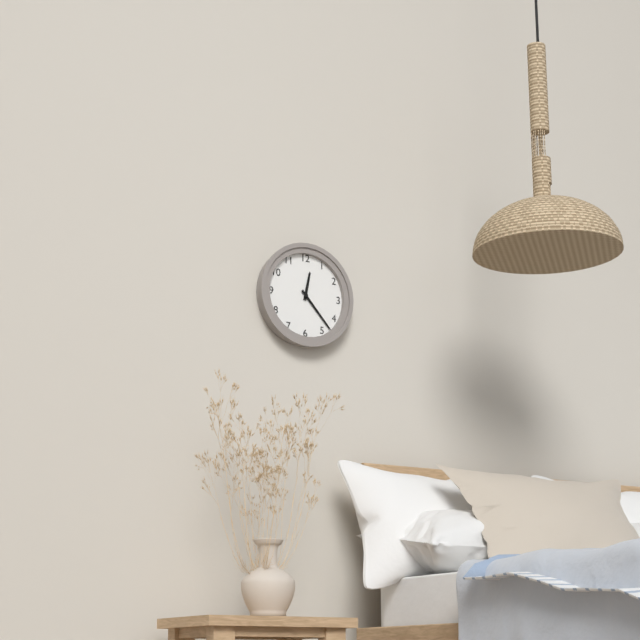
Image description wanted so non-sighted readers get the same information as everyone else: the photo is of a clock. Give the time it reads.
12:23
